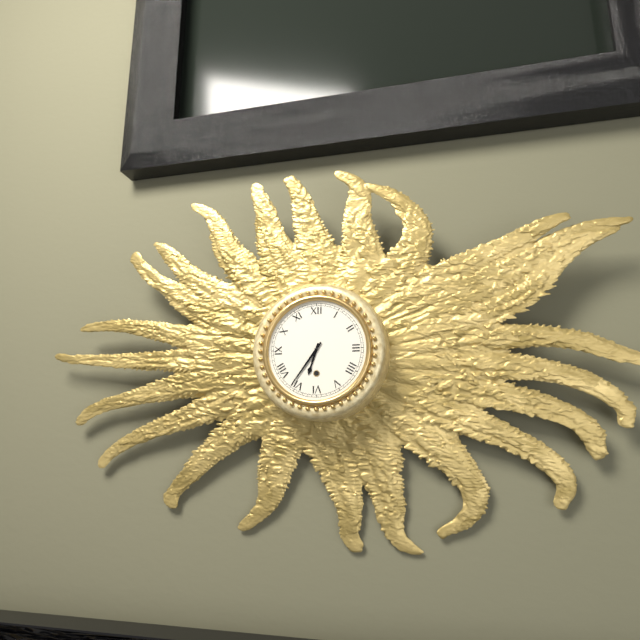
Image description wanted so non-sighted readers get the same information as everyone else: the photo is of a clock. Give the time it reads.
6:36
